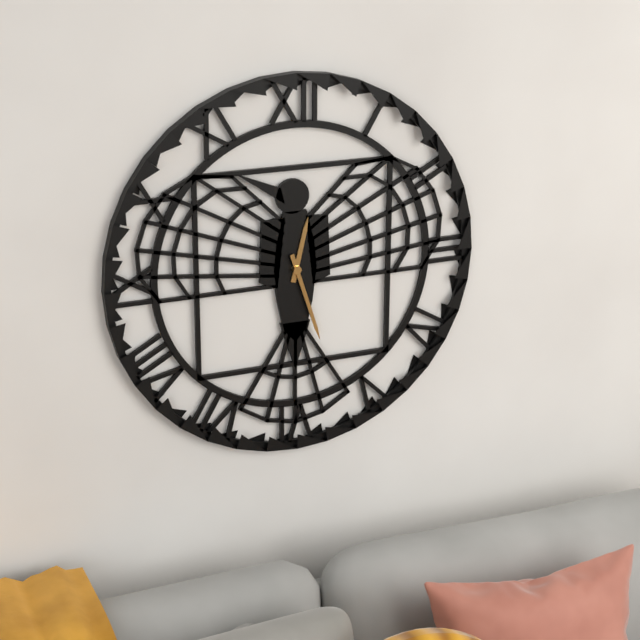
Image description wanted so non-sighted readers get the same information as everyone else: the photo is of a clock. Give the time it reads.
12:27
